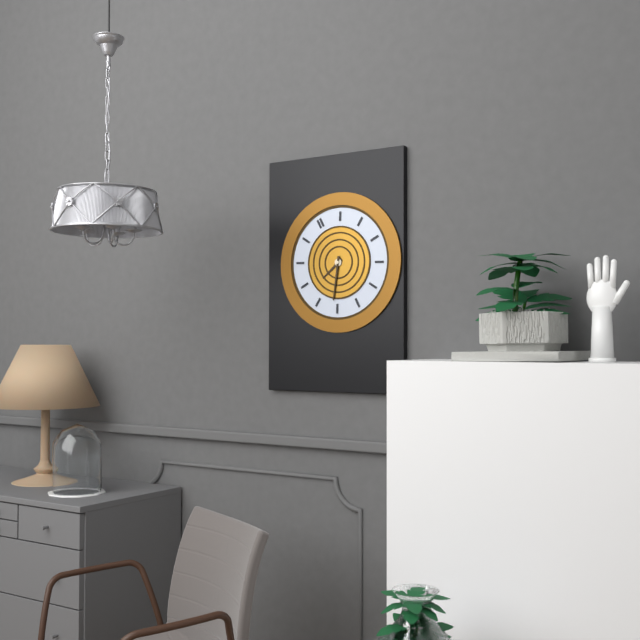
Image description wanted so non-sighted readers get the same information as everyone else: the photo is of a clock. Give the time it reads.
8:36
